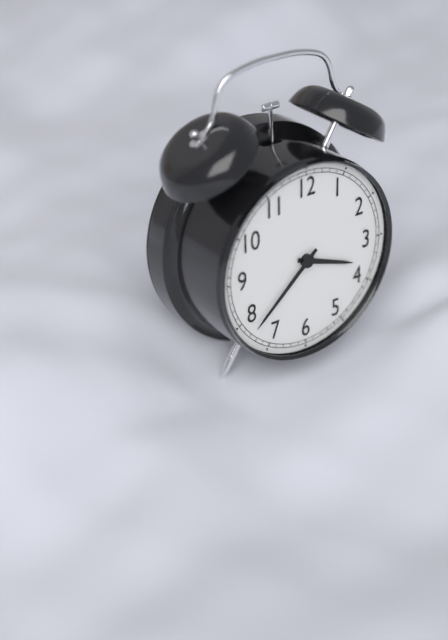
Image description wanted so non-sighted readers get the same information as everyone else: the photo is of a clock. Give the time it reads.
3:38
